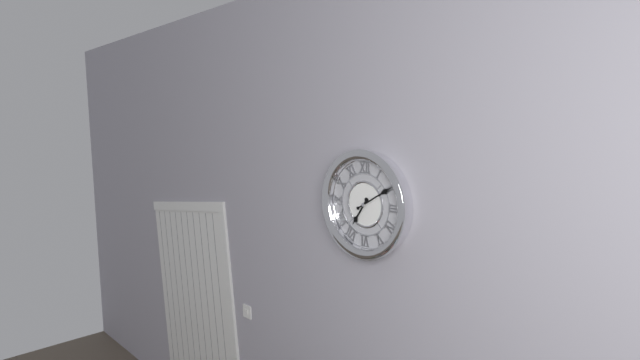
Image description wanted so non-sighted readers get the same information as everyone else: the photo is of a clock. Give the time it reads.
7:10
